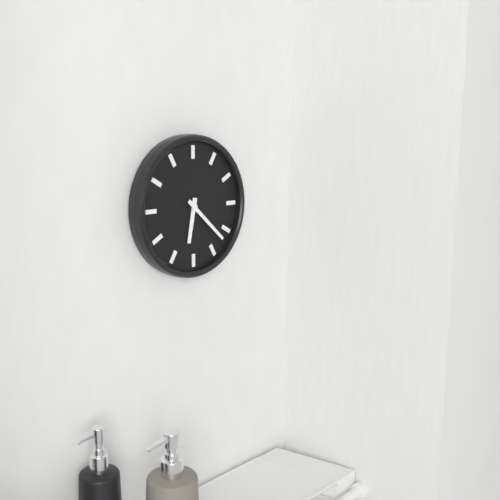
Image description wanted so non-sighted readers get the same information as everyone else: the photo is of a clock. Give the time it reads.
6:22
